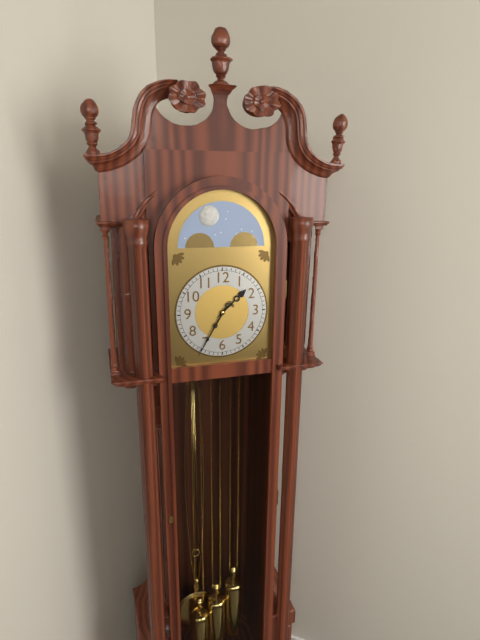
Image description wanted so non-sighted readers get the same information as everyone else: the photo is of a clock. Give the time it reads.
1:35
